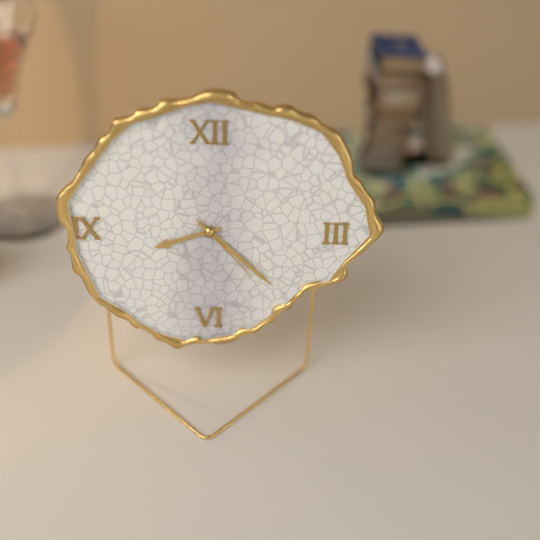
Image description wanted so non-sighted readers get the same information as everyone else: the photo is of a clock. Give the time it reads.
8:22:23
